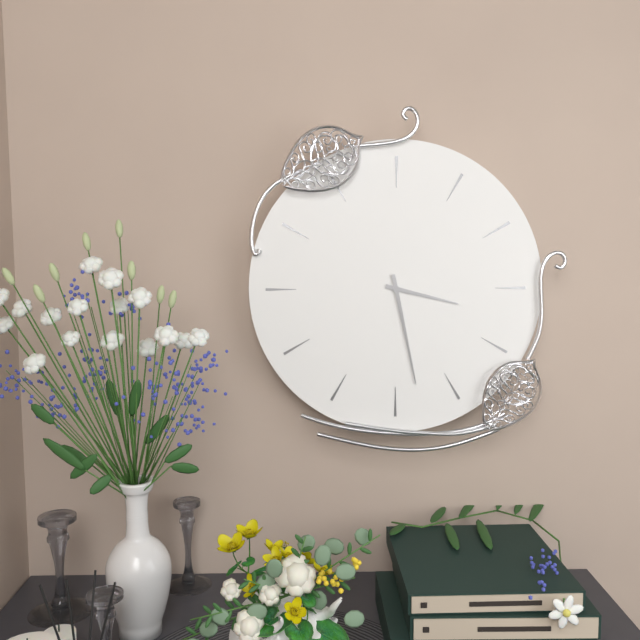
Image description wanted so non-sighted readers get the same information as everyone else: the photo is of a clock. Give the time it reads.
3:28
